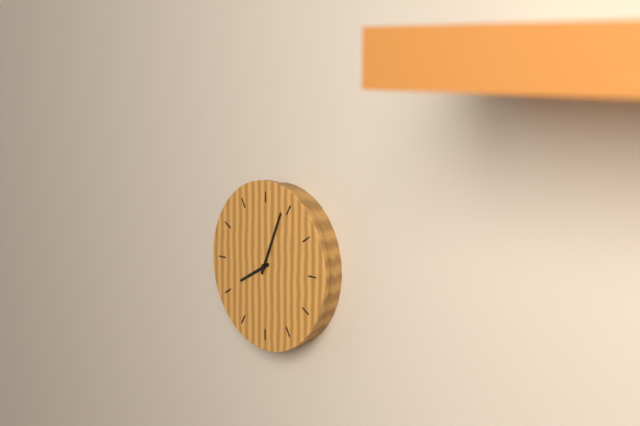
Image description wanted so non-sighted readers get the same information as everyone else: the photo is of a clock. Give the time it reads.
8:04
